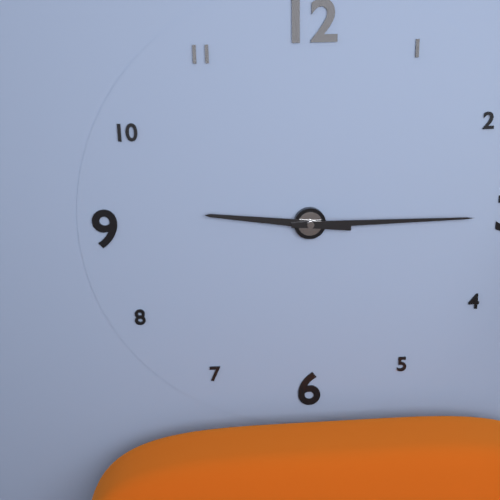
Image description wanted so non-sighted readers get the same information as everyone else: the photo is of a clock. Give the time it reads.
9:15
